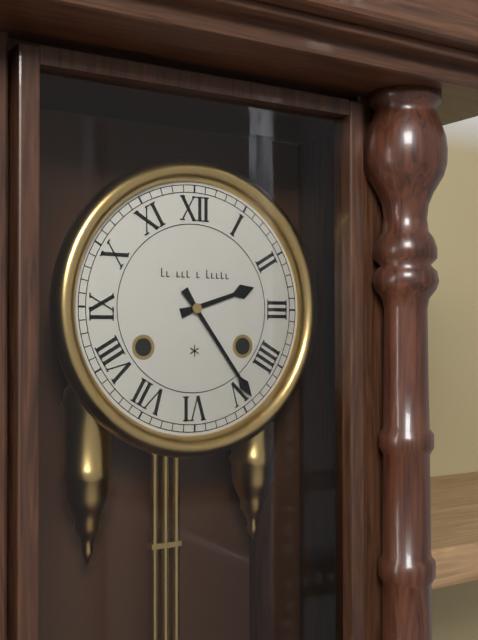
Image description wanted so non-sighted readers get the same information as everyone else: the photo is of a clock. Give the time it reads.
2:24
